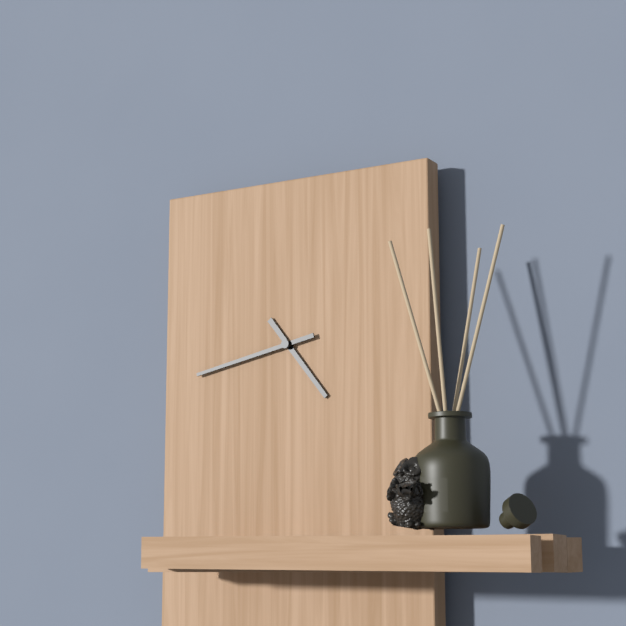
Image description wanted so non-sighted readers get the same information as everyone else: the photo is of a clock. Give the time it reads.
4:43
